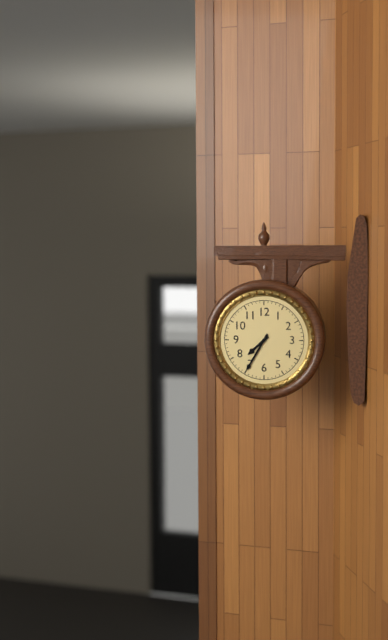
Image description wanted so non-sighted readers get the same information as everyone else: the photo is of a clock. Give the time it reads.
7:35
